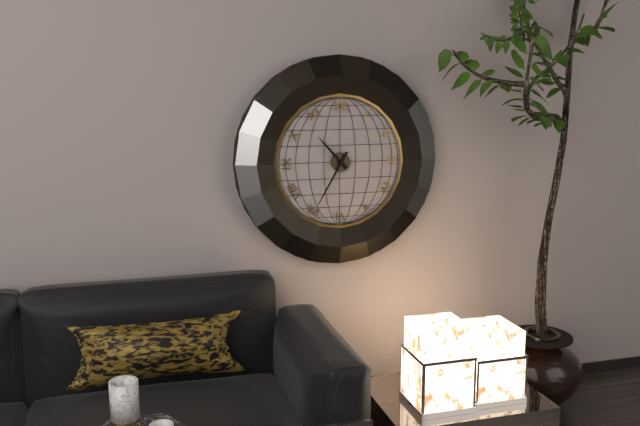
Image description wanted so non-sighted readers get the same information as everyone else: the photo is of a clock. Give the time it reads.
10:35
